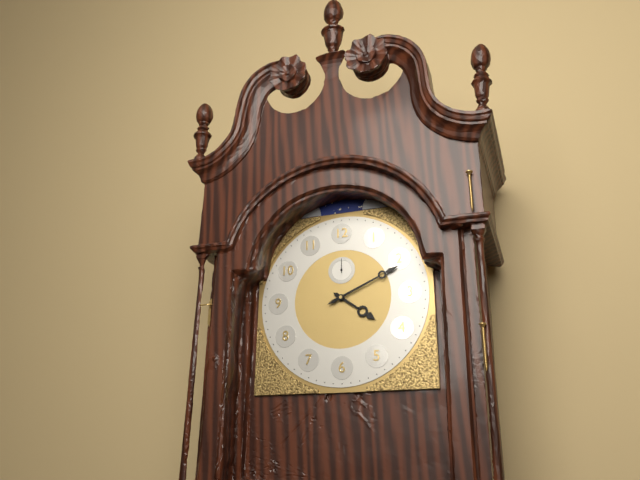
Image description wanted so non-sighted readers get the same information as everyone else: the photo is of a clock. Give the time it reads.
4:11
